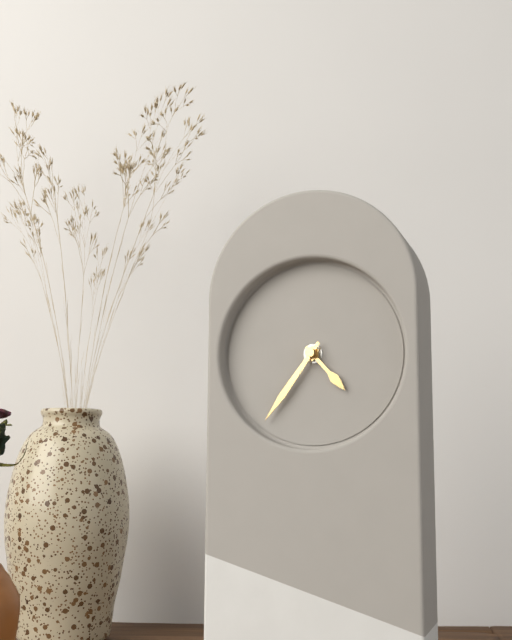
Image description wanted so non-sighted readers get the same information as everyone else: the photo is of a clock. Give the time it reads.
4:36
